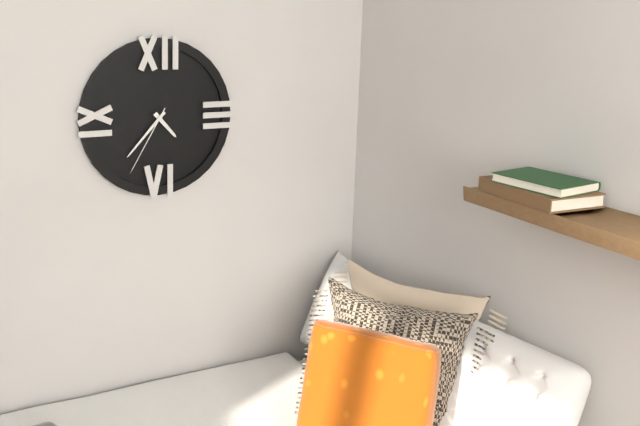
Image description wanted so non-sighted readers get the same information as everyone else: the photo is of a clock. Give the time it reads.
4:37:35
